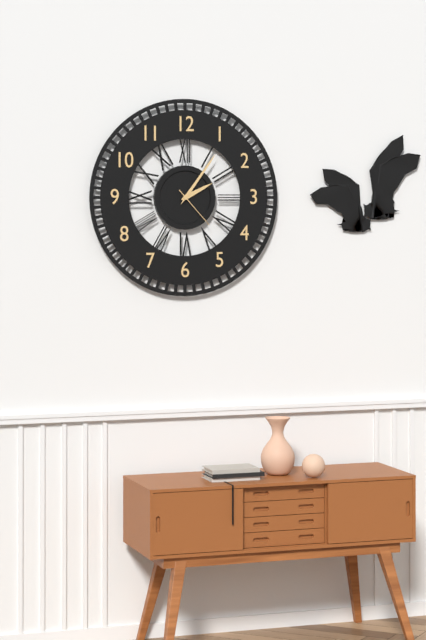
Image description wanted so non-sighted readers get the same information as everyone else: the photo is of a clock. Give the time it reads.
2:06
